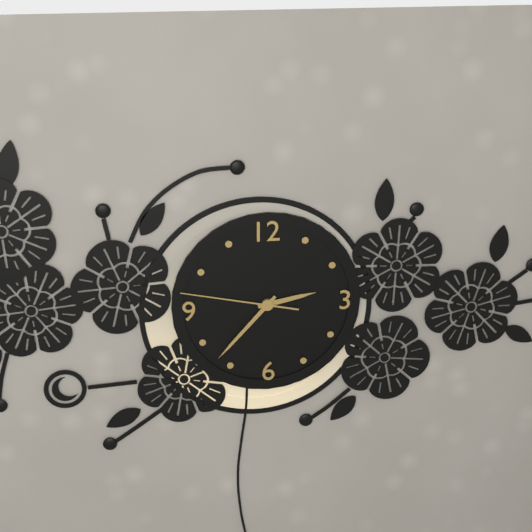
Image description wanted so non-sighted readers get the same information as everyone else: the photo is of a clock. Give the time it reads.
2:37:47
